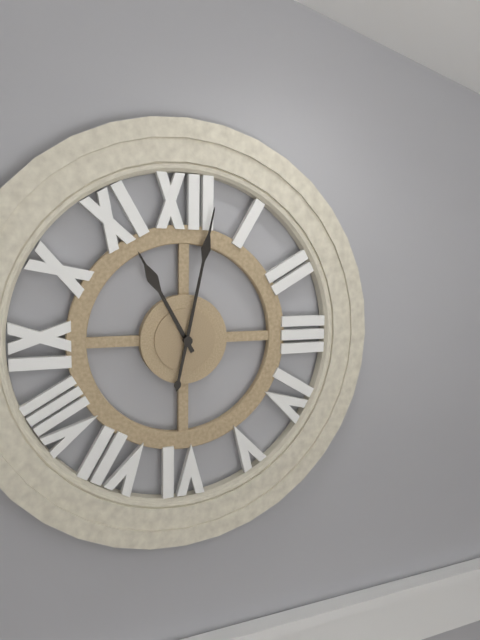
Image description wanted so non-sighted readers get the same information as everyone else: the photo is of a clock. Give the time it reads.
11:02
